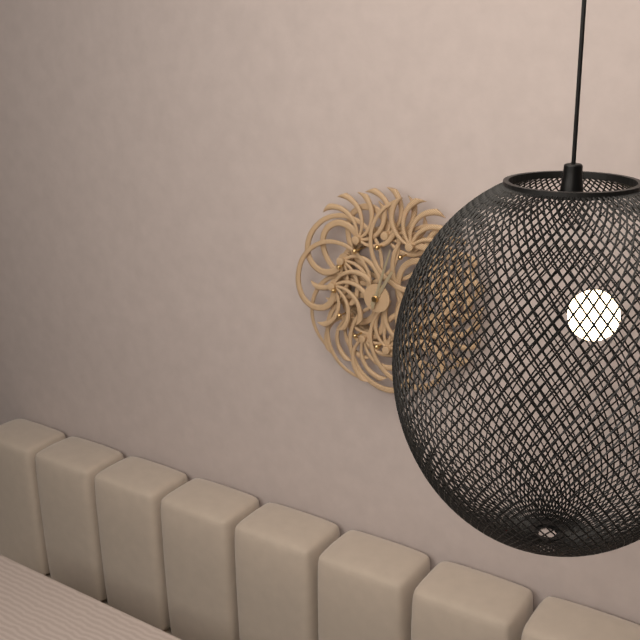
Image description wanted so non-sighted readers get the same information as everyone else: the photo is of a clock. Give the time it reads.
1:03
